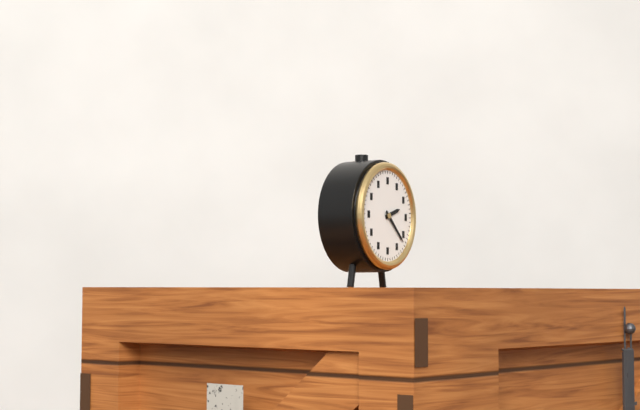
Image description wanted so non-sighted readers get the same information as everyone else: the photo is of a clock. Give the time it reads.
2:22
